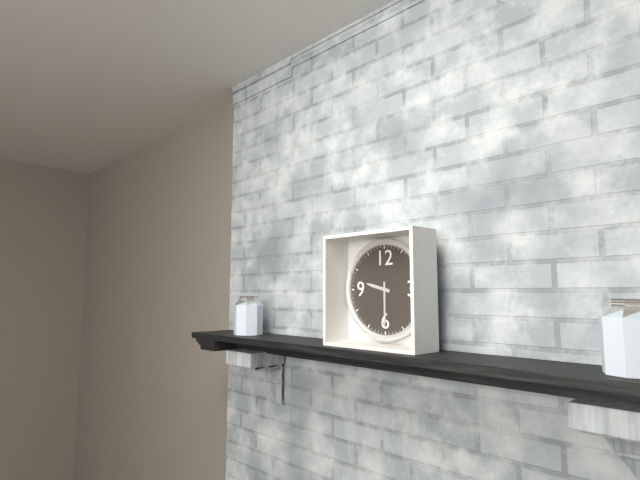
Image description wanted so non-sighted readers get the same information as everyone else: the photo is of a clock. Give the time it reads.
9:30
